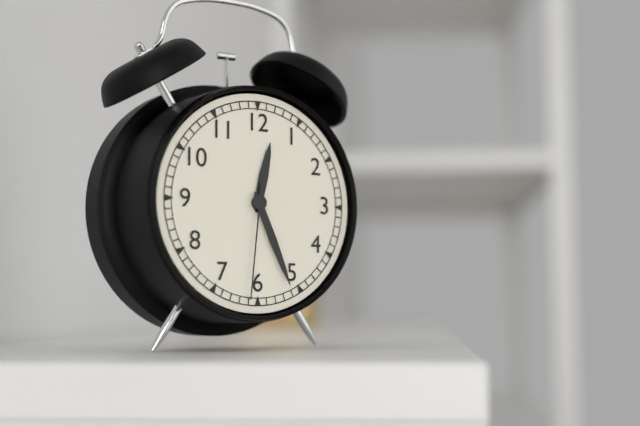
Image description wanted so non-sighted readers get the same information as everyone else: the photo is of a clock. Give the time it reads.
12:26:31
